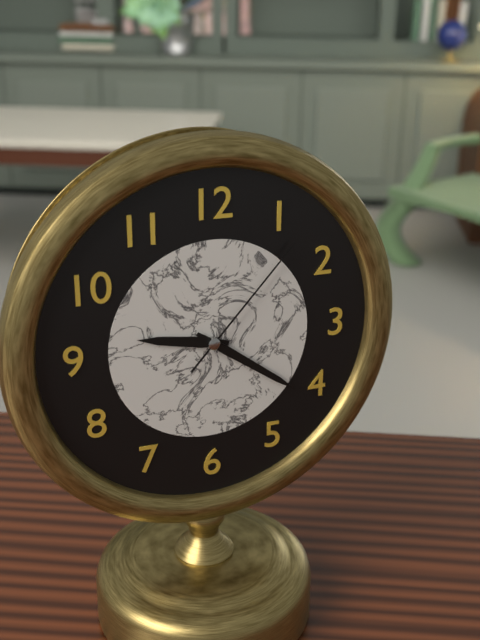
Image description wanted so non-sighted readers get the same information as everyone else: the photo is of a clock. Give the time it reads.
9:21:07
